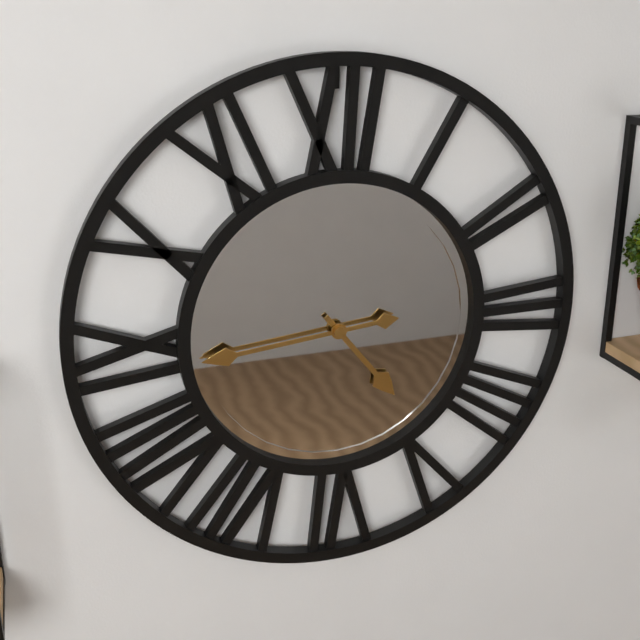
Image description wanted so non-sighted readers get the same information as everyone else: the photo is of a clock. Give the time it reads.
4:44
